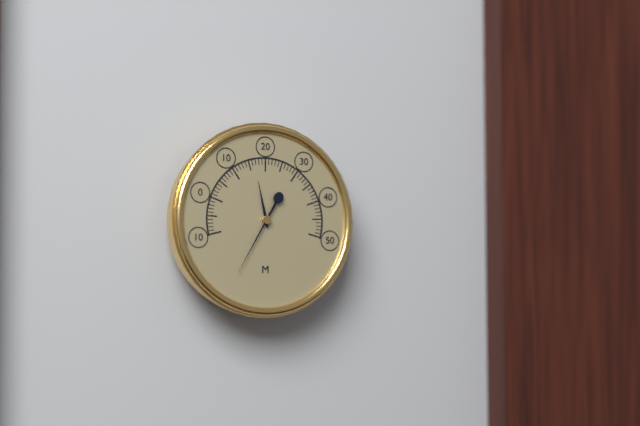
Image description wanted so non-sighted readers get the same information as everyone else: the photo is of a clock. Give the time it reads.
11:35
